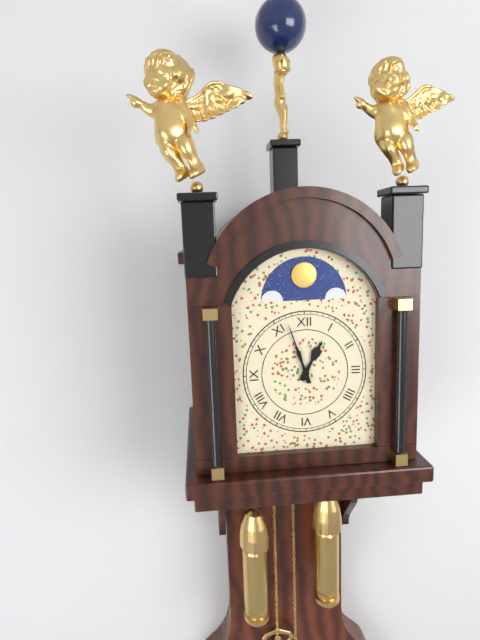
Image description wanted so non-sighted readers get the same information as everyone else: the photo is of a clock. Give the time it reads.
12:57
